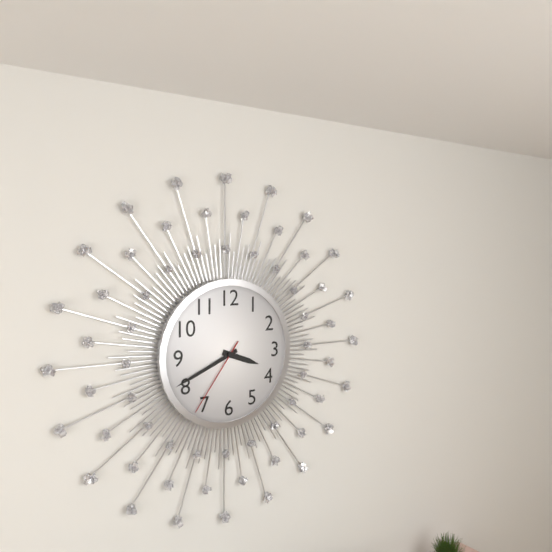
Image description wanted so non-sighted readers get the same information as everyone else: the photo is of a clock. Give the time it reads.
3:41:36
